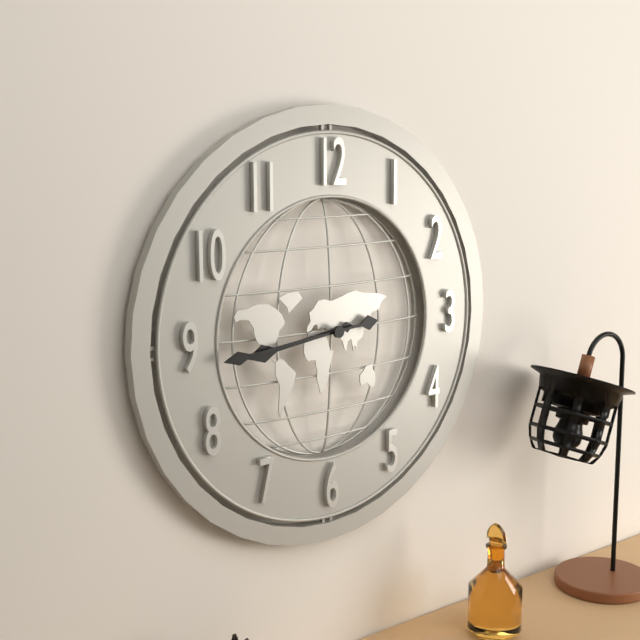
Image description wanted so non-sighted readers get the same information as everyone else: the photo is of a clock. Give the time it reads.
8:44
